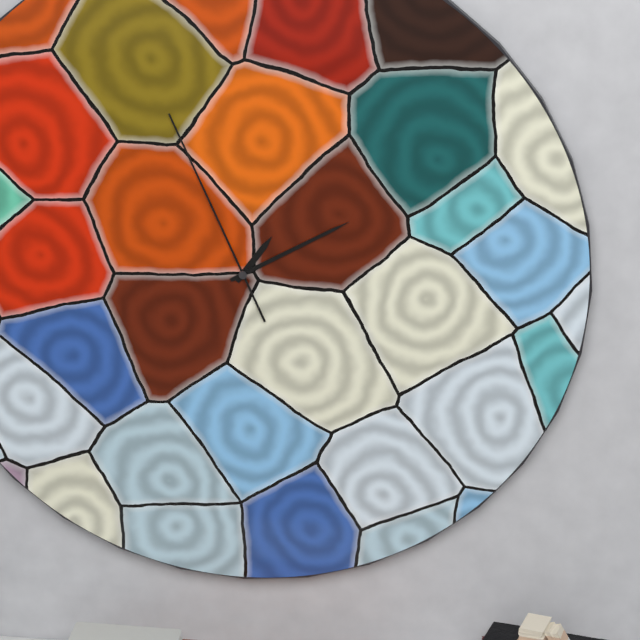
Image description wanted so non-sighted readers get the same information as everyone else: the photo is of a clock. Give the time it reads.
1:10:56
